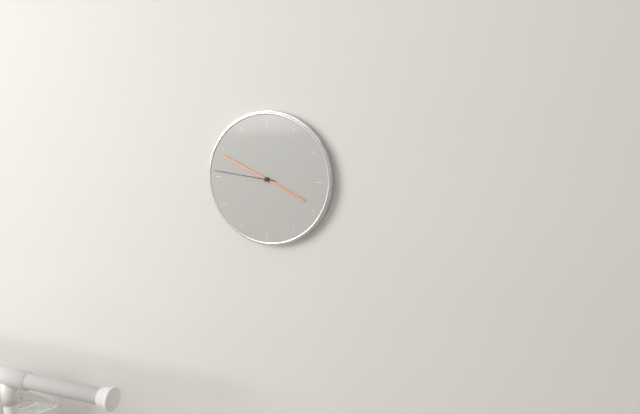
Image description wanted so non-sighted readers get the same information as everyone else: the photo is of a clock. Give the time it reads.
3:49:46
